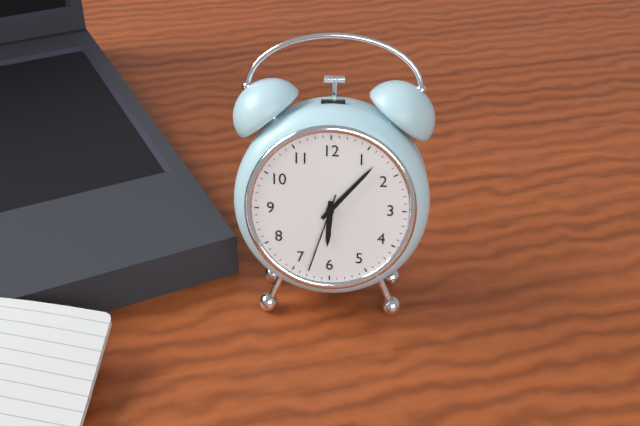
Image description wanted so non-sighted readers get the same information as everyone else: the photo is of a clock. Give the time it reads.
6:07:33
